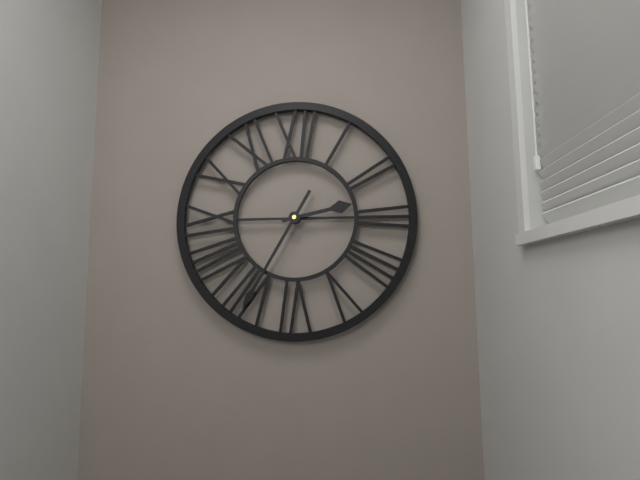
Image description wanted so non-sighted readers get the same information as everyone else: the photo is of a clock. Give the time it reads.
2:35
